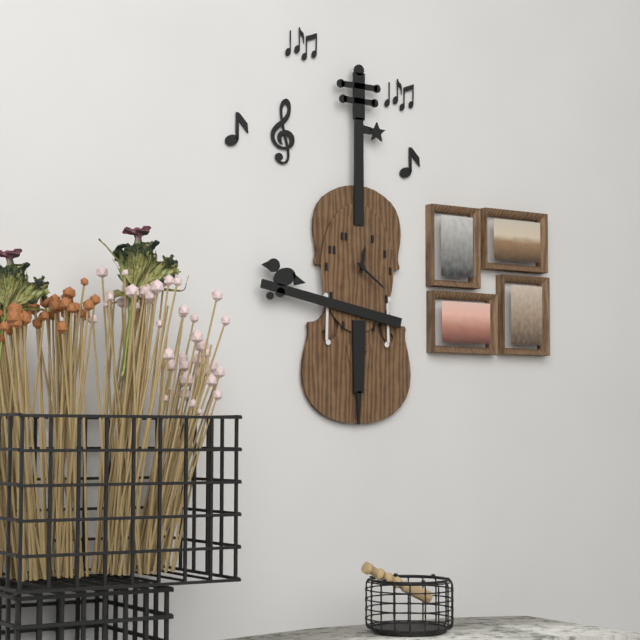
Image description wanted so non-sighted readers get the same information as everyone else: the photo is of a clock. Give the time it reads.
12:21
